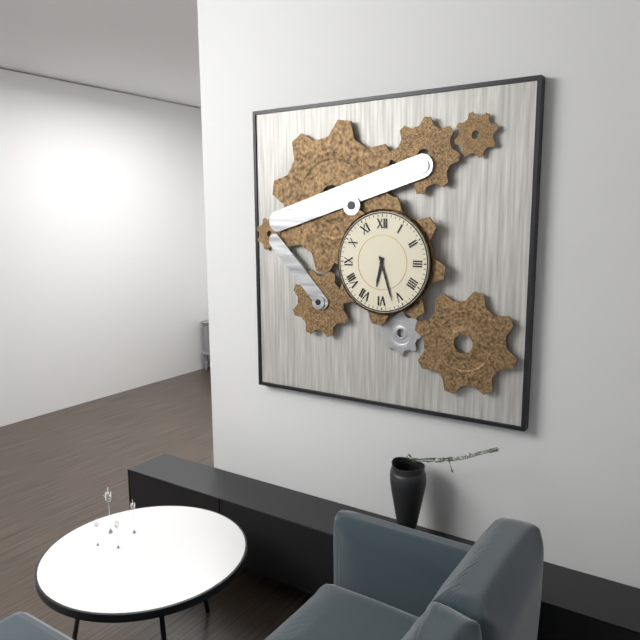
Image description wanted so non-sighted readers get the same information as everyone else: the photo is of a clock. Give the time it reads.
6:27
